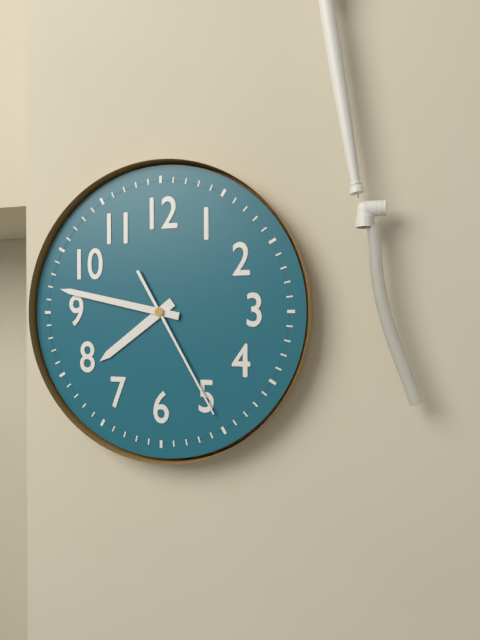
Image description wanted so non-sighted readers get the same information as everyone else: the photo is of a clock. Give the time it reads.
7:47:25
